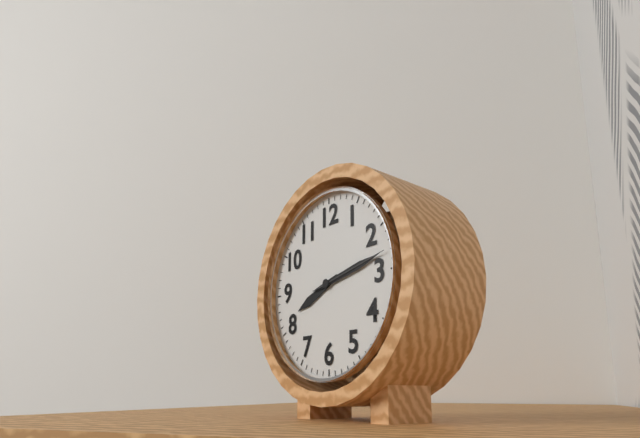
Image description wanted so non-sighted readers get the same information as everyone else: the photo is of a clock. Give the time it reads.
8:13:13
